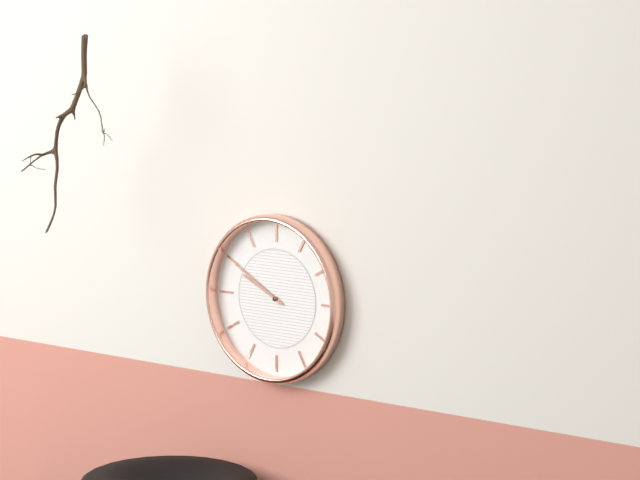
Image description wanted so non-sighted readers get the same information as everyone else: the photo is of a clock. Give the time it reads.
9:50
